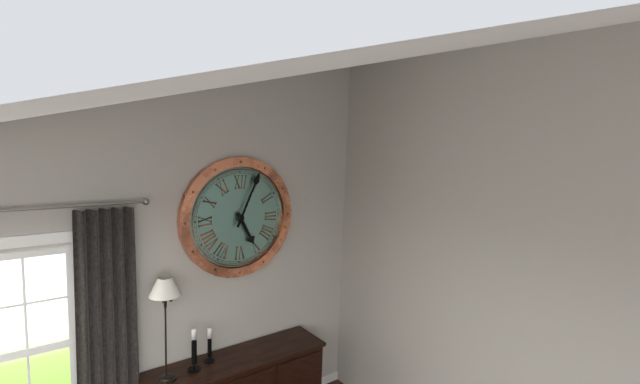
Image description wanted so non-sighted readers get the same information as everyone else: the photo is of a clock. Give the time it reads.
5:04
